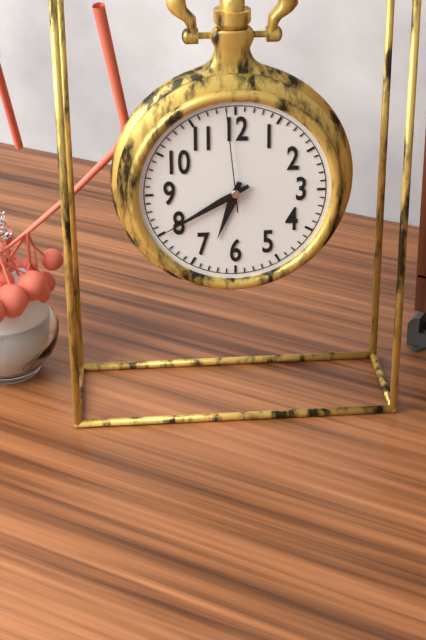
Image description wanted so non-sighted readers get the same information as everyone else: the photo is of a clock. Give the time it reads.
6:40:59
